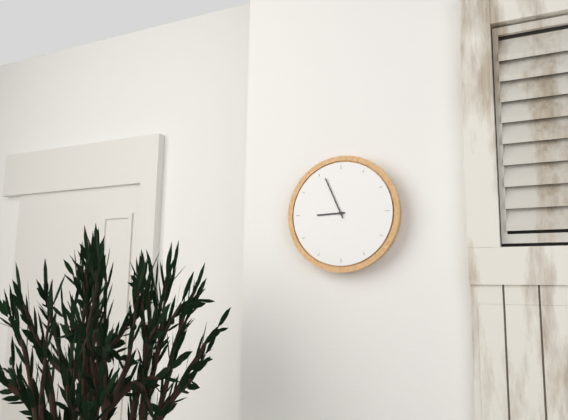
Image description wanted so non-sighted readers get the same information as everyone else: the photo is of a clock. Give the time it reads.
8:56
